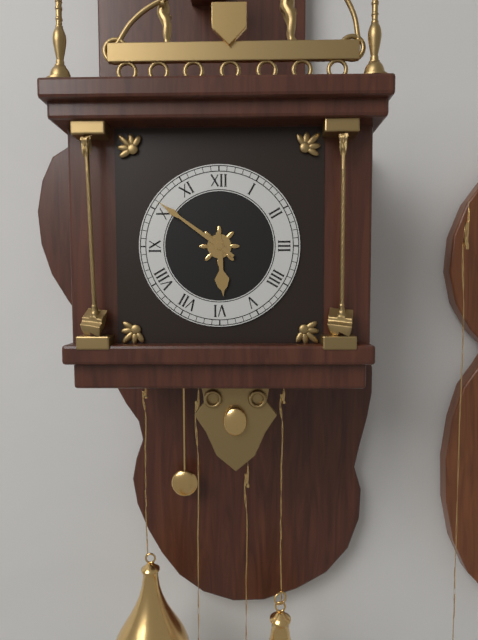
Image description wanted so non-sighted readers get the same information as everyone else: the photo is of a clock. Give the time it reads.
5:51
